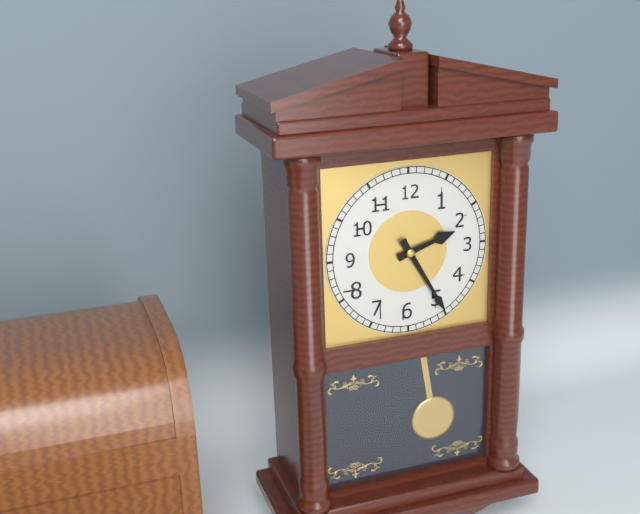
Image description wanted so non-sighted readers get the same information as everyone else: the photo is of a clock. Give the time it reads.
2:25
